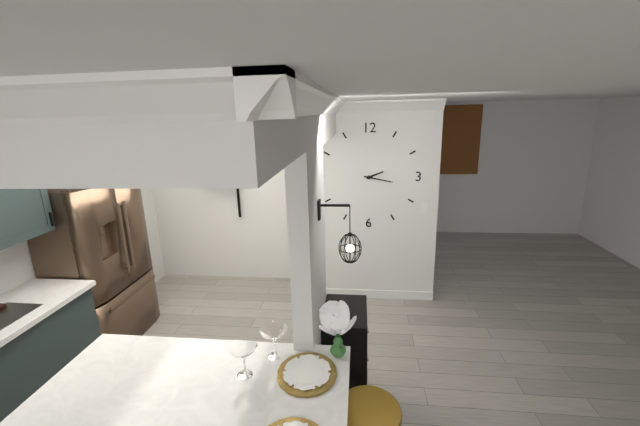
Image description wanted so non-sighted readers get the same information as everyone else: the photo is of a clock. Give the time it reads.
2:17
